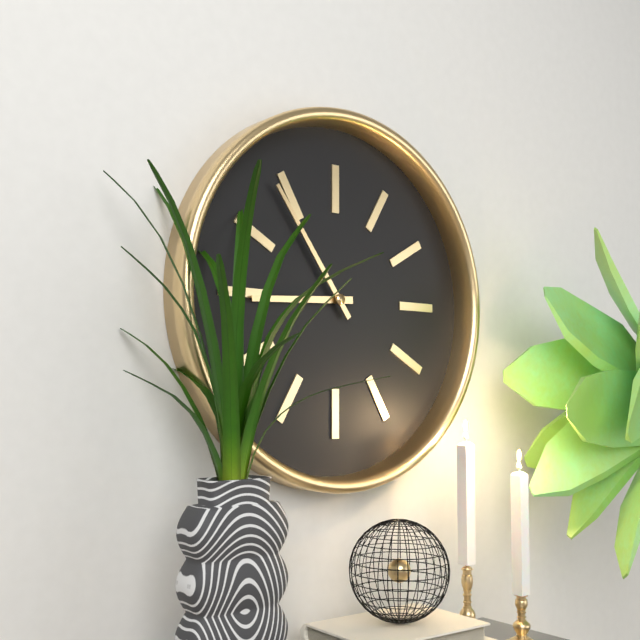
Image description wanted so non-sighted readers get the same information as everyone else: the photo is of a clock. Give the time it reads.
8:54
